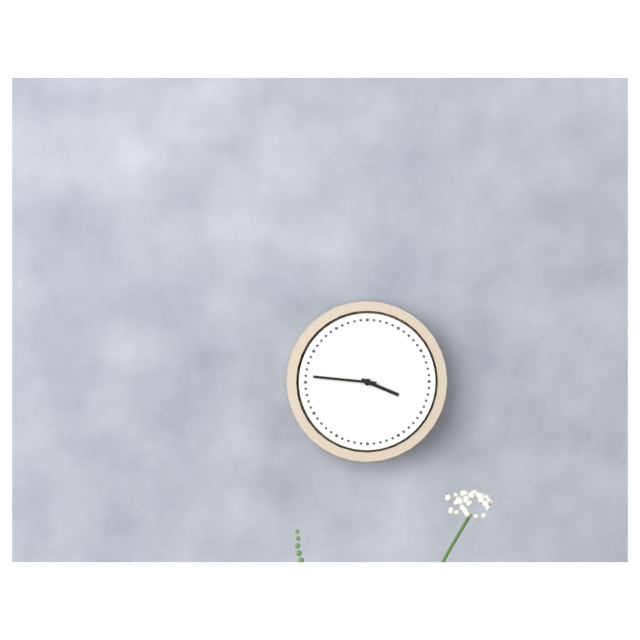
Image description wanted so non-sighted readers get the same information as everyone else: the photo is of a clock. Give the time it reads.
3:46
